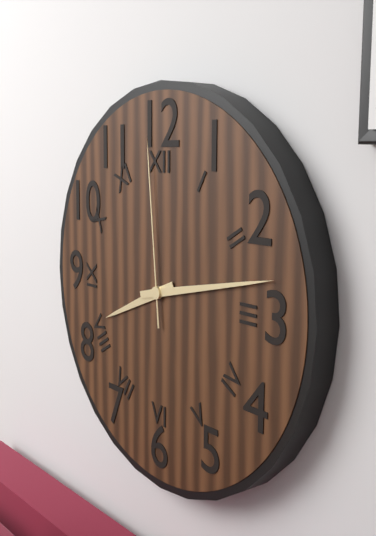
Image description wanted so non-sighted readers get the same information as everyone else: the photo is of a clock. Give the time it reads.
8:13:59
